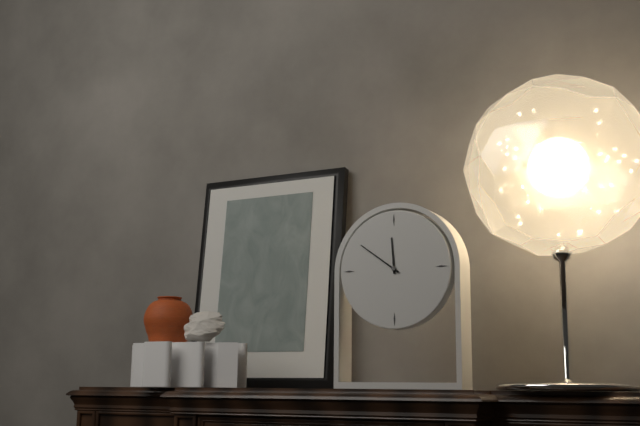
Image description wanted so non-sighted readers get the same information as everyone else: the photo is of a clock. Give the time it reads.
11:51
